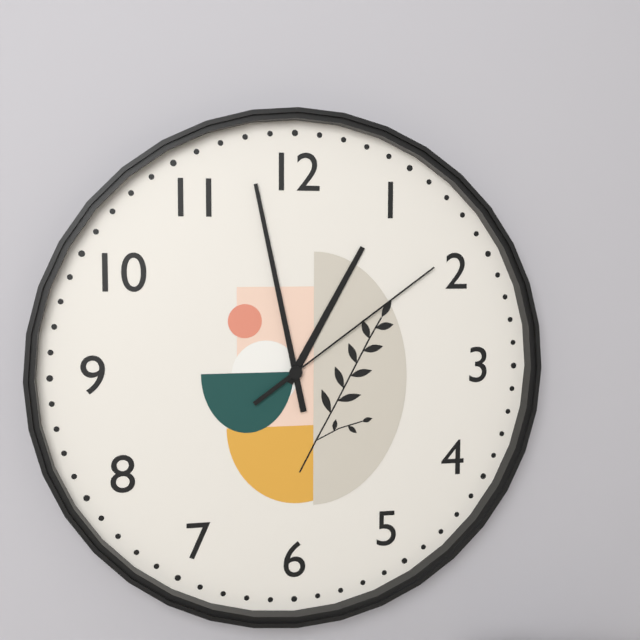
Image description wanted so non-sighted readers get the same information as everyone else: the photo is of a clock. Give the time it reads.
12:58:09
